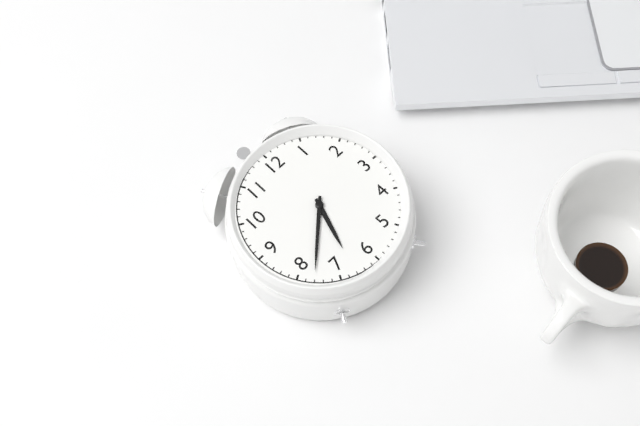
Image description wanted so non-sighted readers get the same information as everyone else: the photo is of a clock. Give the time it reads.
6:38
